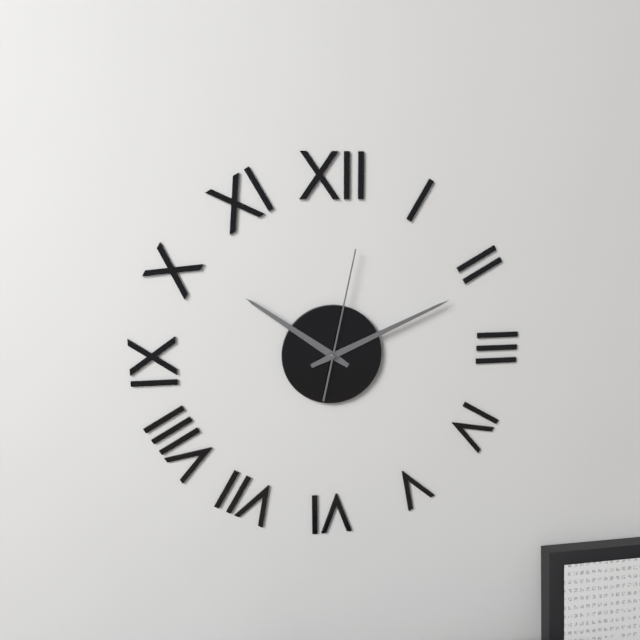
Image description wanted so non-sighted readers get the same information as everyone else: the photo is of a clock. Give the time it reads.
10:11:02
